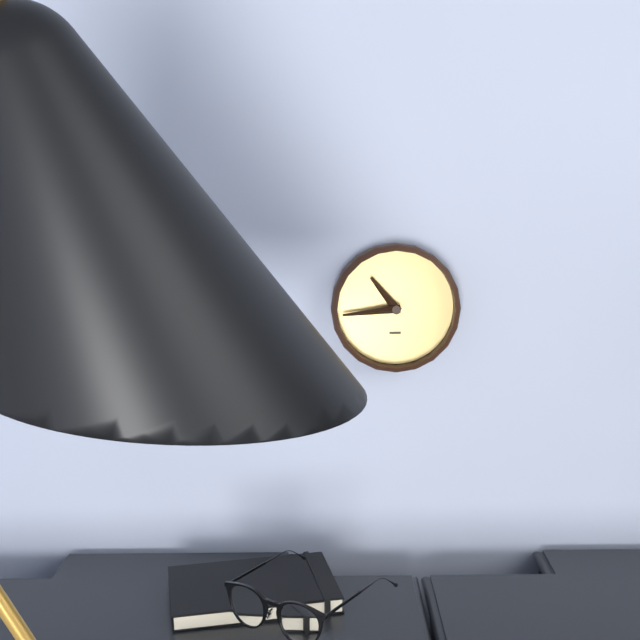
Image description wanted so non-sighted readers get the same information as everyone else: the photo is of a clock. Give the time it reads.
10:44
